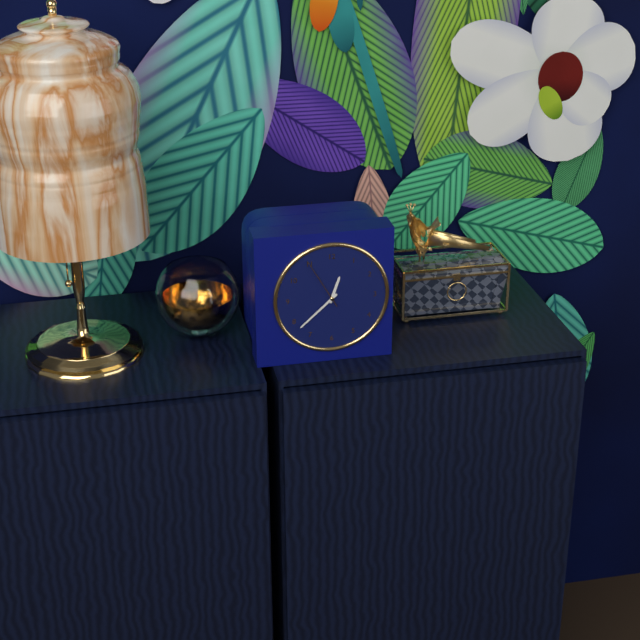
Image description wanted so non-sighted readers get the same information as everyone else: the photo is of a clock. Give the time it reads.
12:38:55
